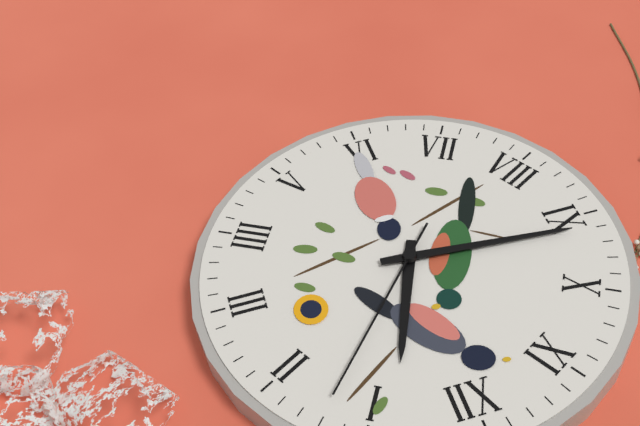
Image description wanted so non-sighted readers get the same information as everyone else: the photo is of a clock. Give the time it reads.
12:46:07
